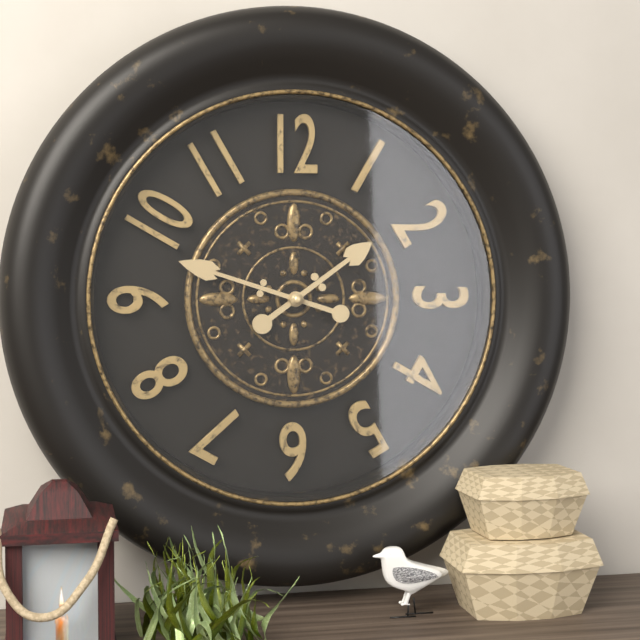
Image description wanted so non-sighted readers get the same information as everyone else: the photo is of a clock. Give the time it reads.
1:48
